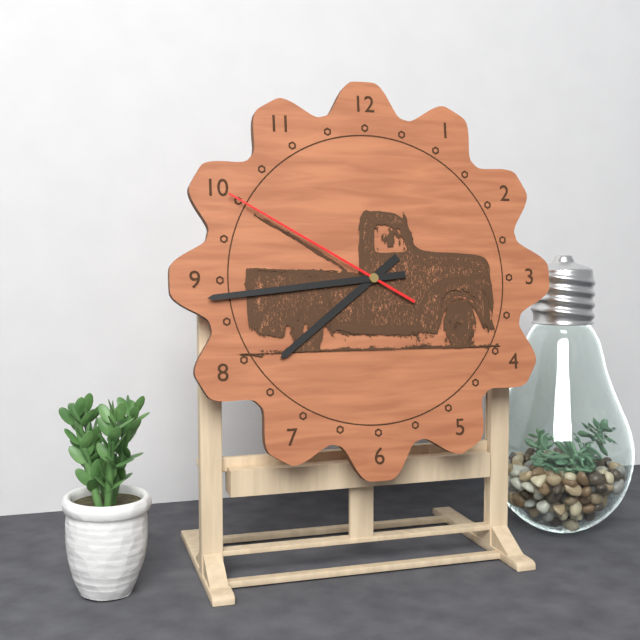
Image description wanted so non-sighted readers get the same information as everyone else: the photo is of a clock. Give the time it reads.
7:44:50
